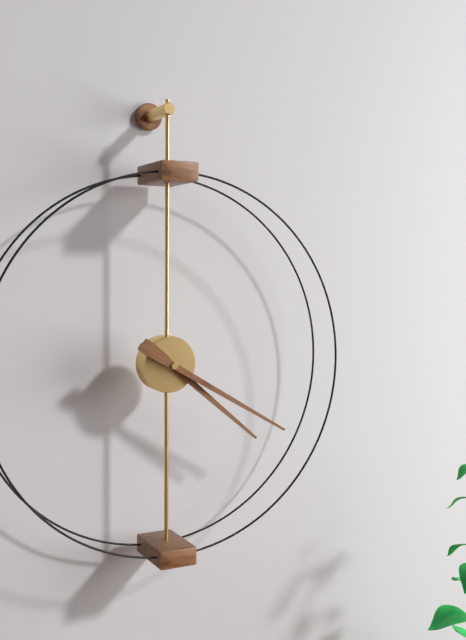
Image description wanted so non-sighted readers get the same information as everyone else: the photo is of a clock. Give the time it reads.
4:20
